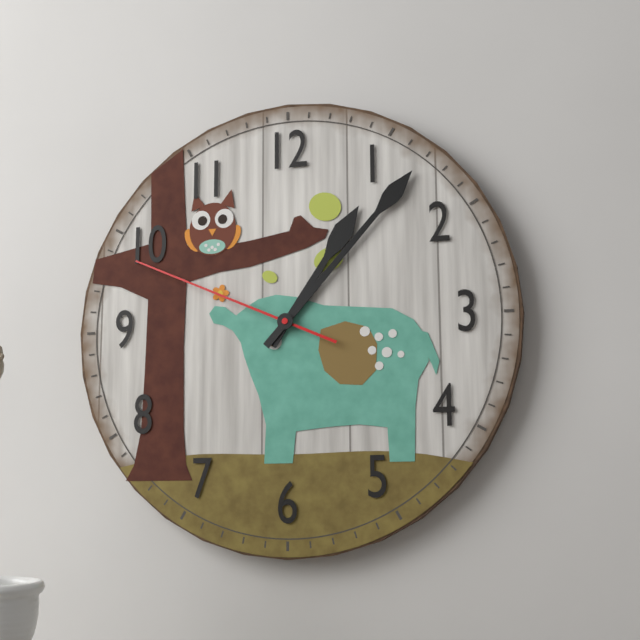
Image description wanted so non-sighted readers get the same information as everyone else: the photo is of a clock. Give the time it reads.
1:07:49
